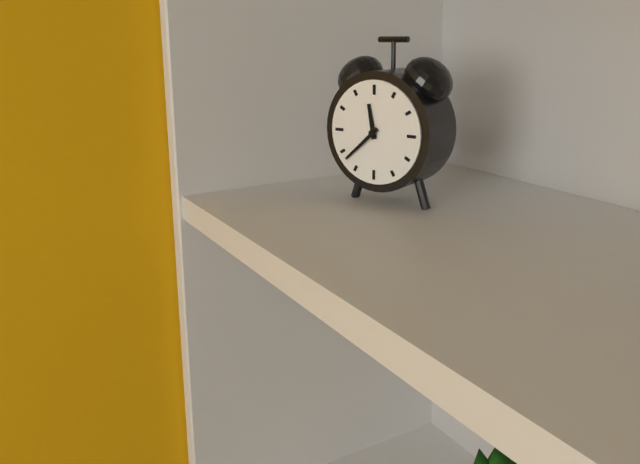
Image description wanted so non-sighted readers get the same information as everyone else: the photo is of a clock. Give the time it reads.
11:38
